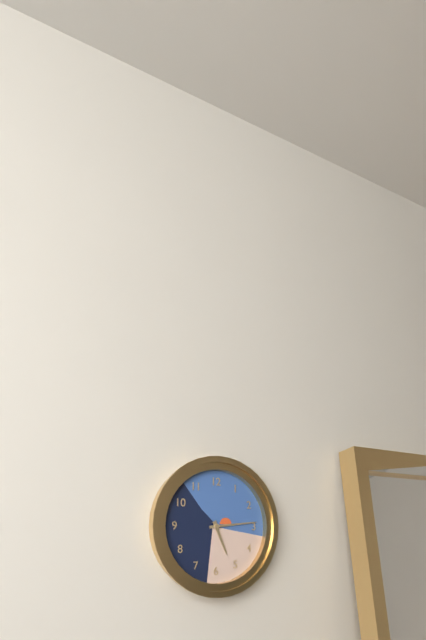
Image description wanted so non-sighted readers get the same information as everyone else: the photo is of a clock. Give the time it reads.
5:14
